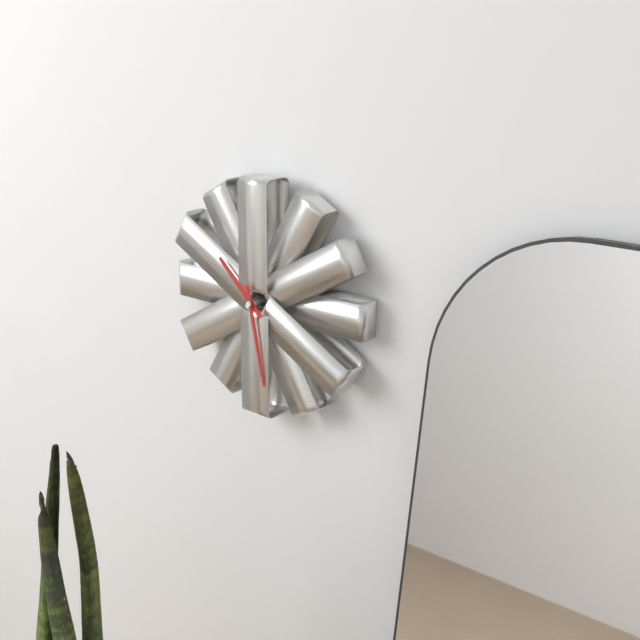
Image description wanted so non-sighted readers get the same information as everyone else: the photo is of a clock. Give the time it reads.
10:28
